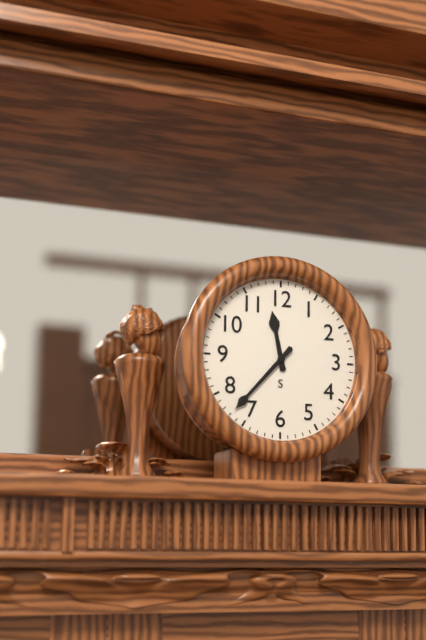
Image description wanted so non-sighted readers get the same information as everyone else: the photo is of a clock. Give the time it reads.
11:37
